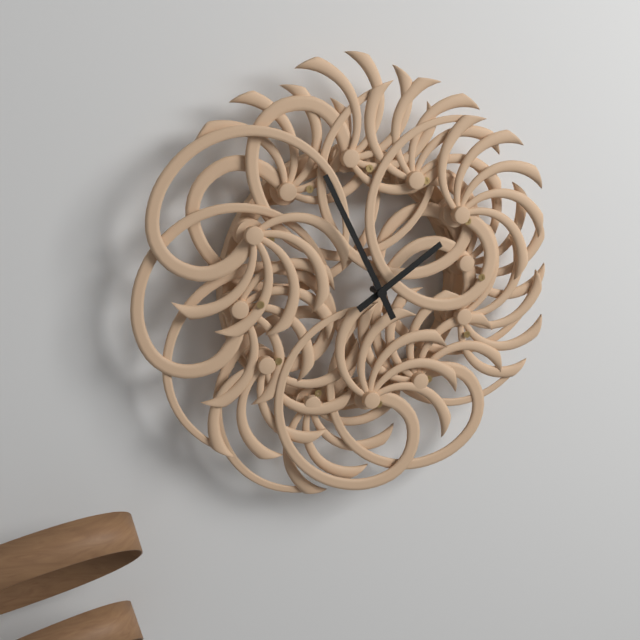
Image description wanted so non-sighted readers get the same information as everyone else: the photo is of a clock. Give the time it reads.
1:56
